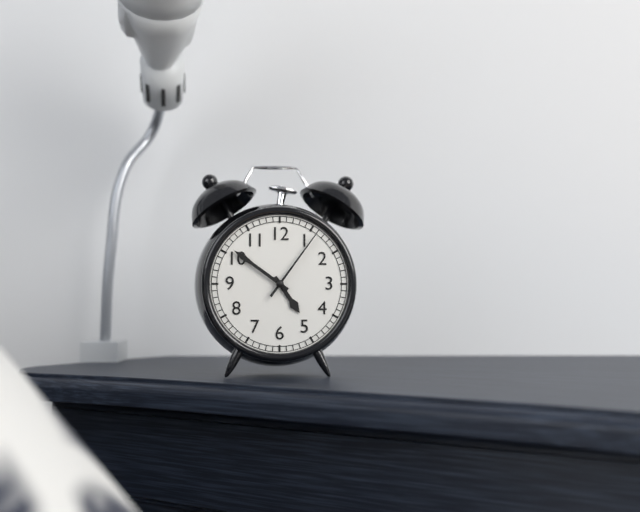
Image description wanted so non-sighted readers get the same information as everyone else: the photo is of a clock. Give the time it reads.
4:51:06
